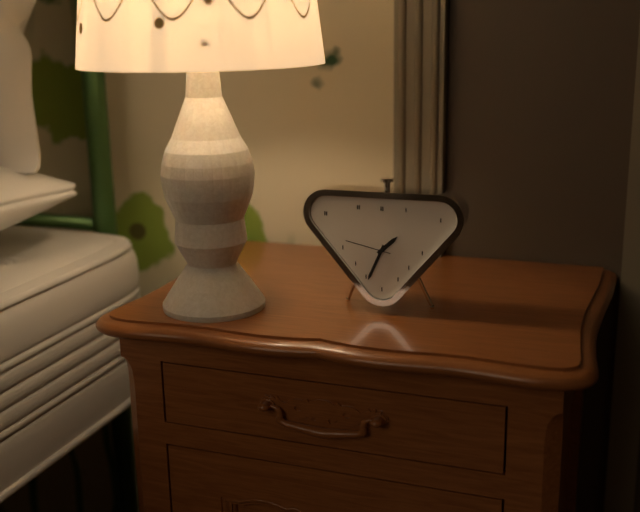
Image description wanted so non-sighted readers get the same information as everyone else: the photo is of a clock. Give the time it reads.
1:34
